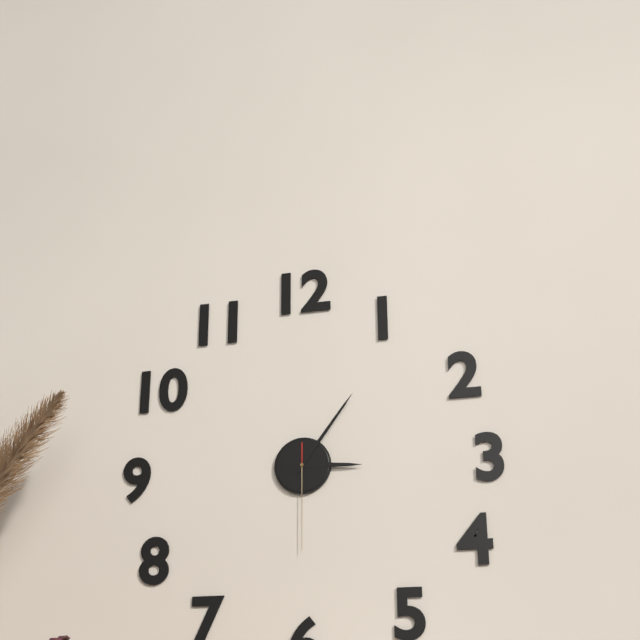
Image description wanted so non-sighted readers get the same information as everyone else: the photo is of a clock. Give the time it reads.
3:06:30
